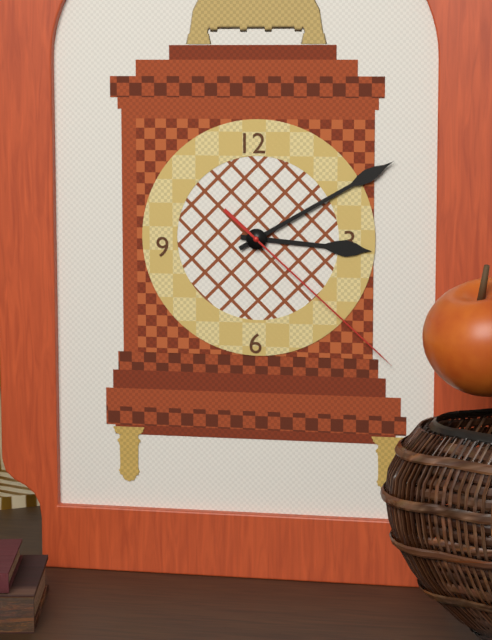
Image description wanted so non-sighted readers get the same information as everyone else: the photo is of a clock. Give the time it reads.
3:10:22
